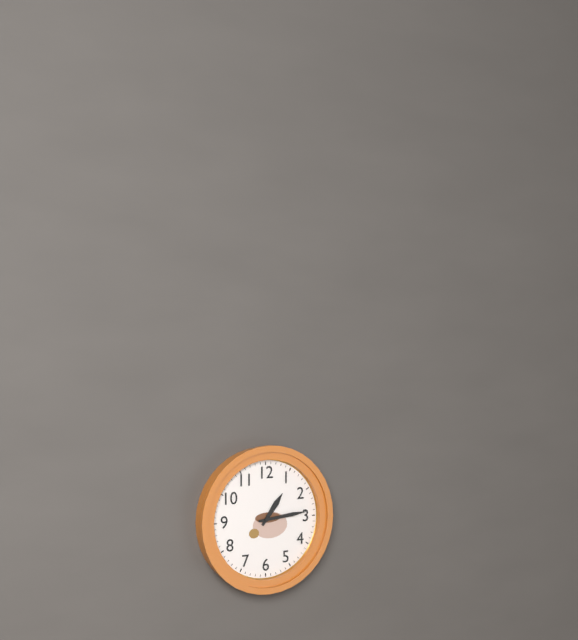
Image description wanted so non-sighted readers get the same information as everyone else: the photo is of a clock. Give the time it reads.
1:14
